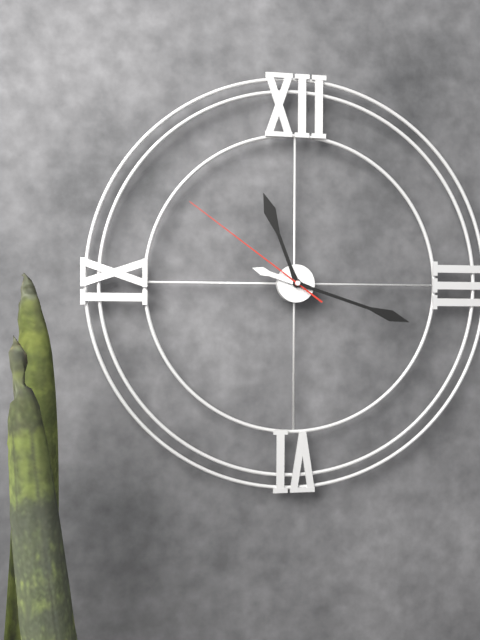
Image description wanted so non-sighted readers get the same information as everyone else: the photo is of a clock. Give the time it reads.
11:18:51
